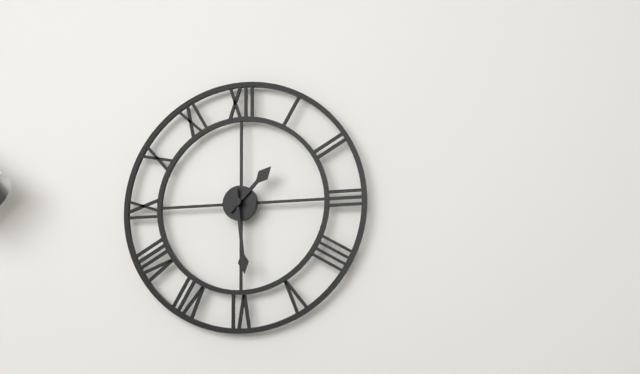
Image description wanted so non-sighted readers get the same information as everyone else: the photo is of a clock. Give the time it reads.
1:29
